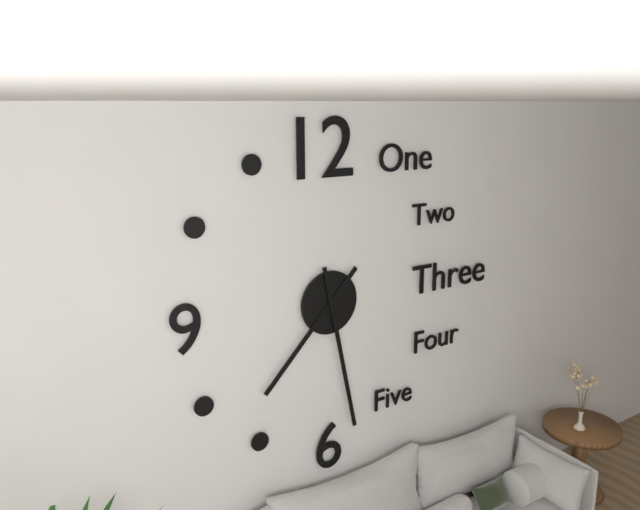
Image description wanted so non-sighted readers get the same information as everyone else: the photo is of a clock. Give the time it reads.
7:28
